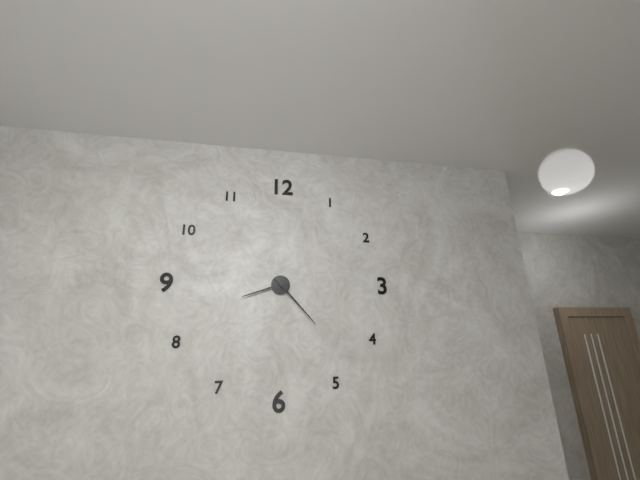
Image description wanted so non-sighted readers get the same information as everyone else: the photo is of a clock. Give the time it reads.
8:23
